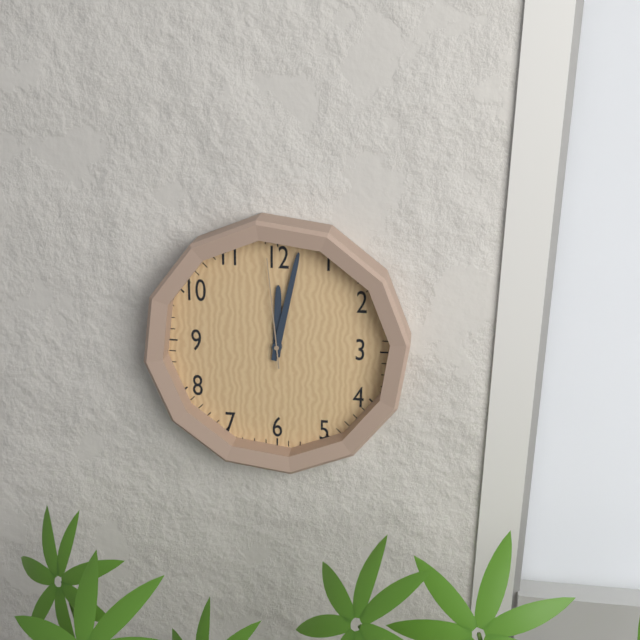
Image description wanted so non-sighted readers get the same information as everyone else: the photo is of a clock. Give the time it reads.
12:02:59
